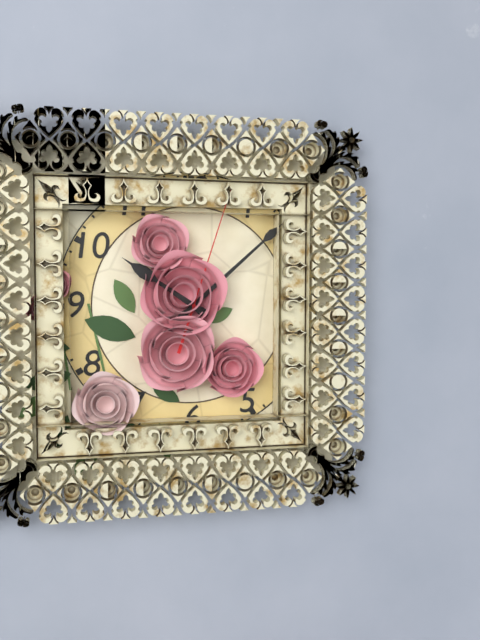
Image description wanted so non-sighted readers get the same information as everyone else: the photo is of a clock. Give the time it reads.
10:08:03
